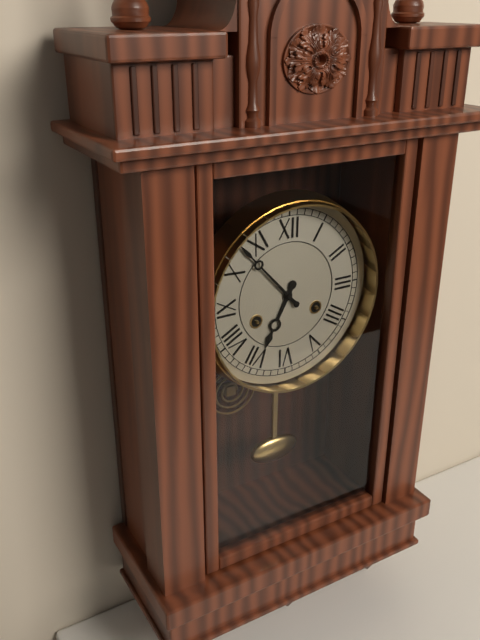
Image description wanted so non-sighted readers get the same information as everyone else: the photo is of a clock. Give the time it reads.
6:53
